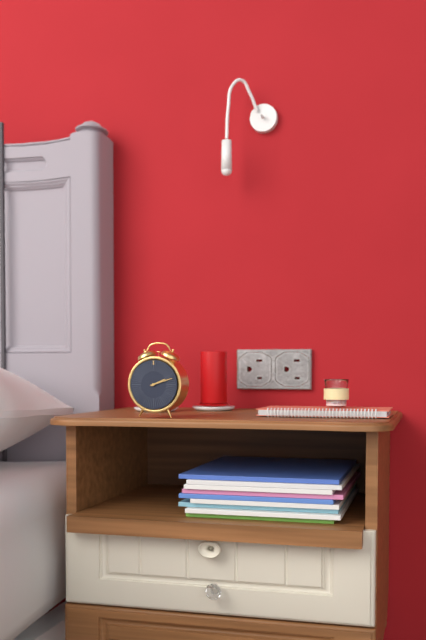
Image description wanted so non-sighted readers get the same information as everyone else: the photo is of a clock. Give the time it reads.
2:12
